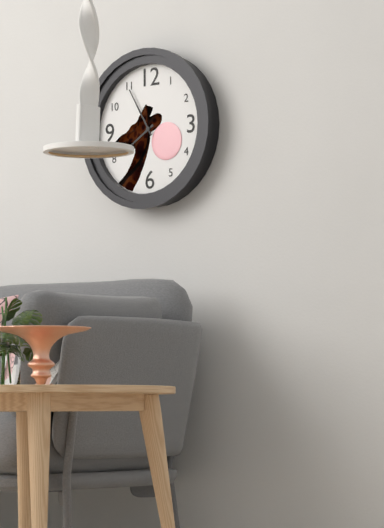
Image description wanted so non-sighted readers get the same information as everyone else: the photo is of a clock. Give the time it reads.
7:55
